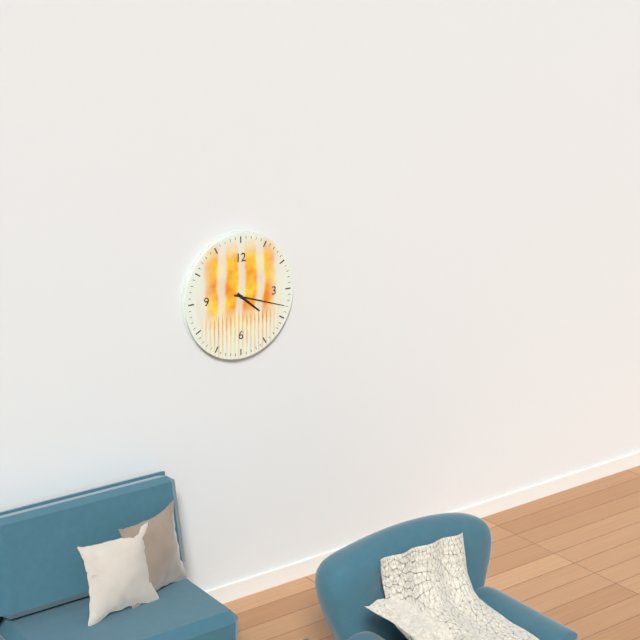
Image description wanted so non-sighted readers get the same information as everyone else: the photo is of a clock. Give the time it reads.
4:18
